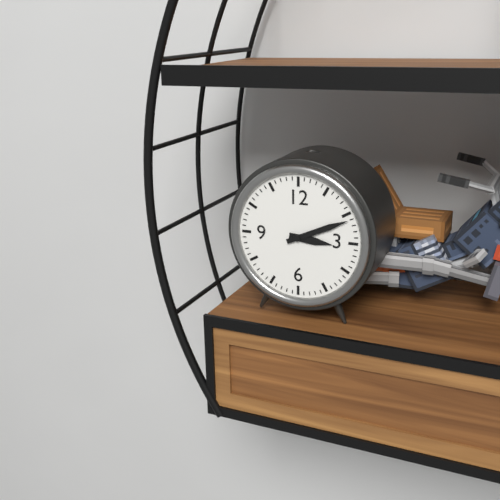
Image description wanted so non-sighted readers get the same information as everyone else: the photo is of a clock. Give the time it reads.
3:11
